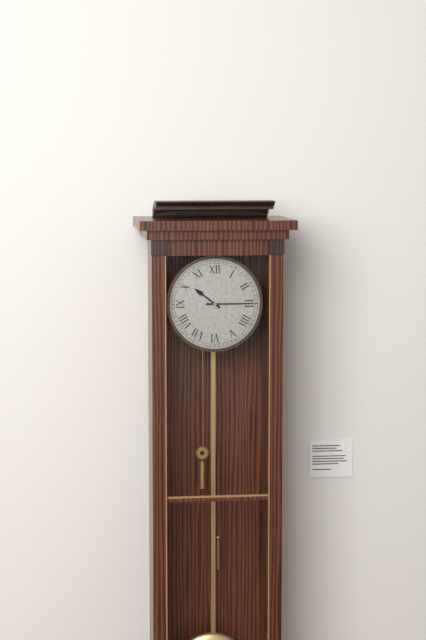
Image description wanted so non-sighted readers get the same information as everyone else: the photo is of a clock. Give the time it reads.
10:15
